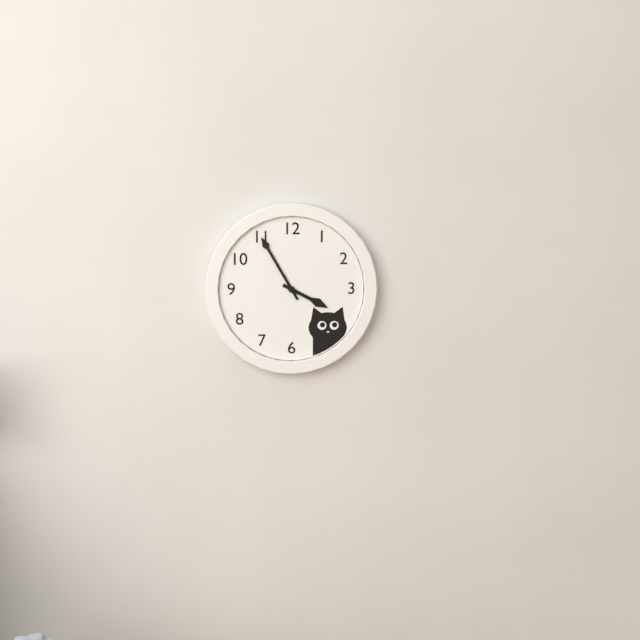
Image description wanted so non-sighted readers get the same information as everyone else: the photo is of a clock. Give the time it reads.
3:55
